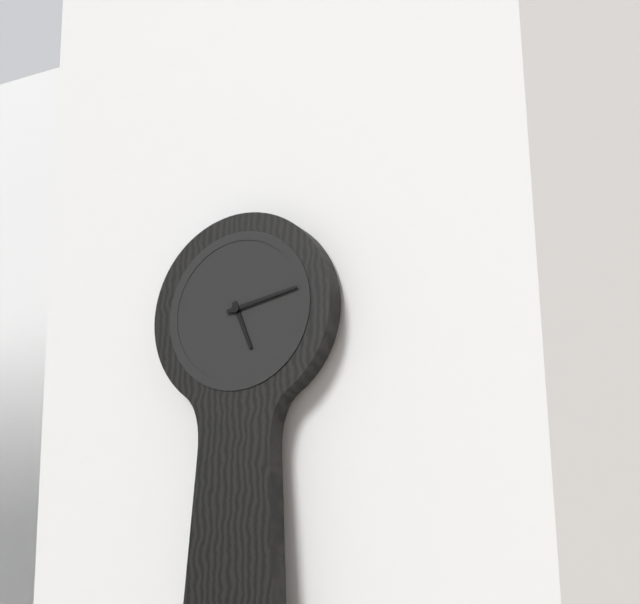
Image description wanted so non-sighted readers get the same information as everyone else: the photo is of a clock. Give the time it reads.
5:13
